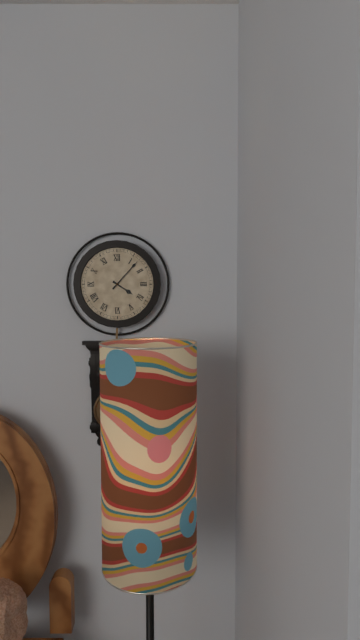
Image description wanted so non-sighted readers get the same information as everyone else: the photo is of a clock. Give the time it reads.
4:07
